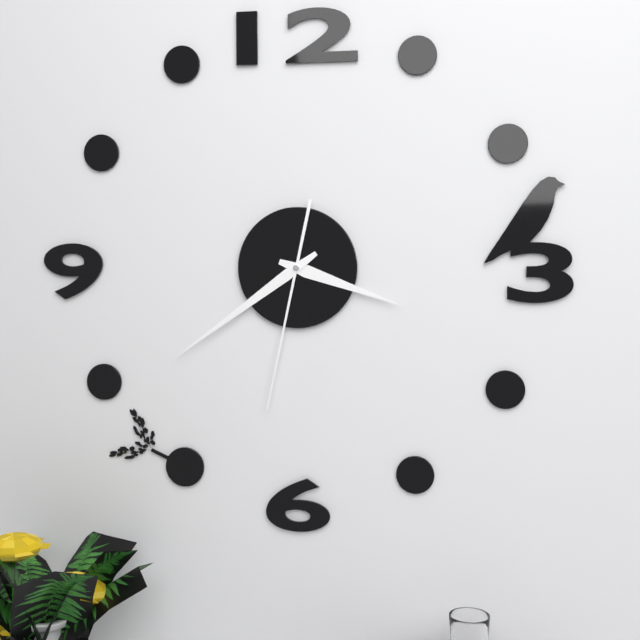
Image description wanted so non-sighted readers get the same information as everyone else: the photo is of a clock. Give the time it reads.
3:39:32
